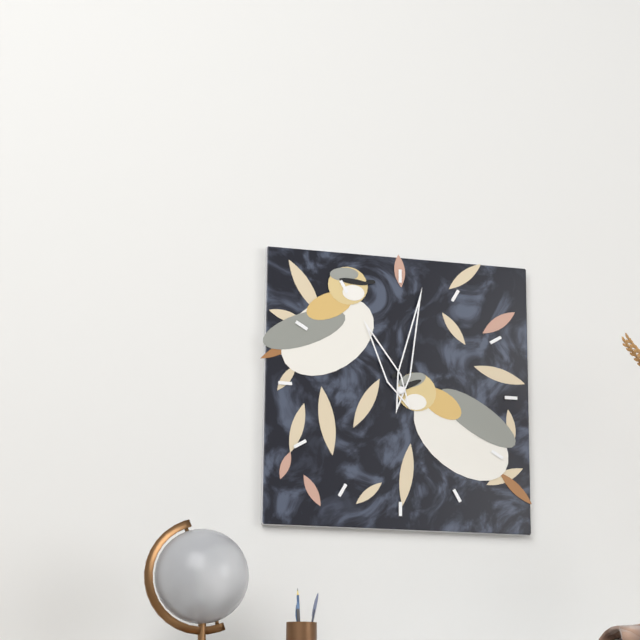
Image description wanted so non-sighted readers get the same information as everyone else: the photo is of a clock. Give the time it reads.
11:02
